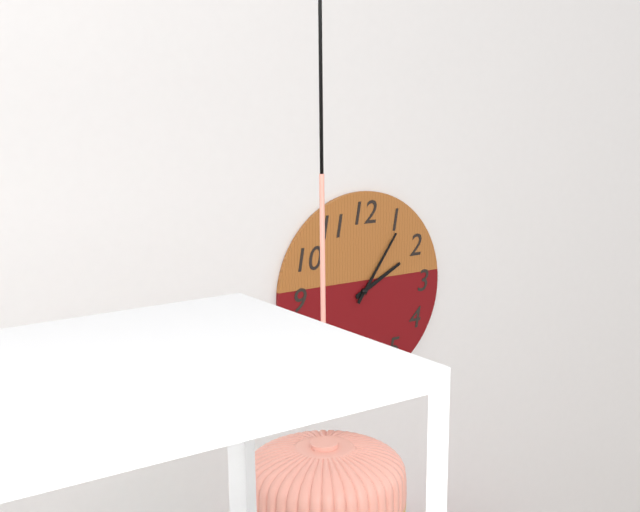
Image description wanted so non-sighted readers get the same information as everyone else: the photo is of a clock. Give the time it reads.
2:06
